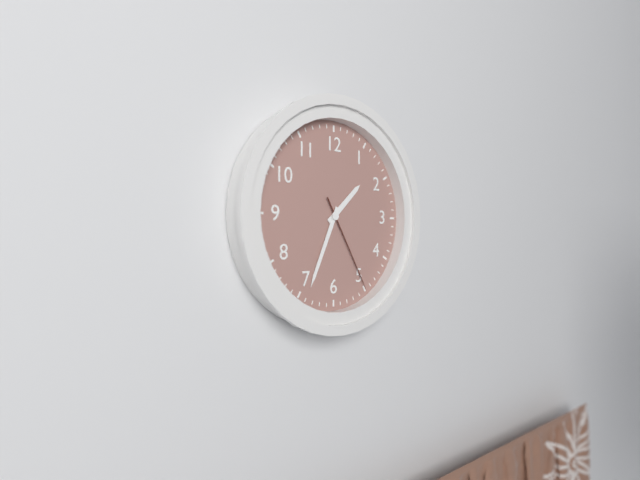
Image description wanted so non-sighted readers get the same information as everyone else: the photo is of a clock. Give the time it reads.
1:34:25
